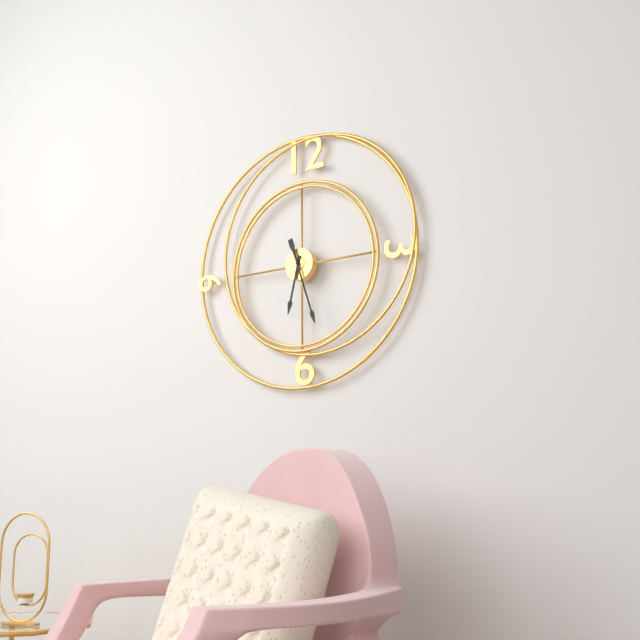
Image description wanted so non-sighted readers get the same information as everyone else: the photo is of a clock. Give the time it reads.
6:27
